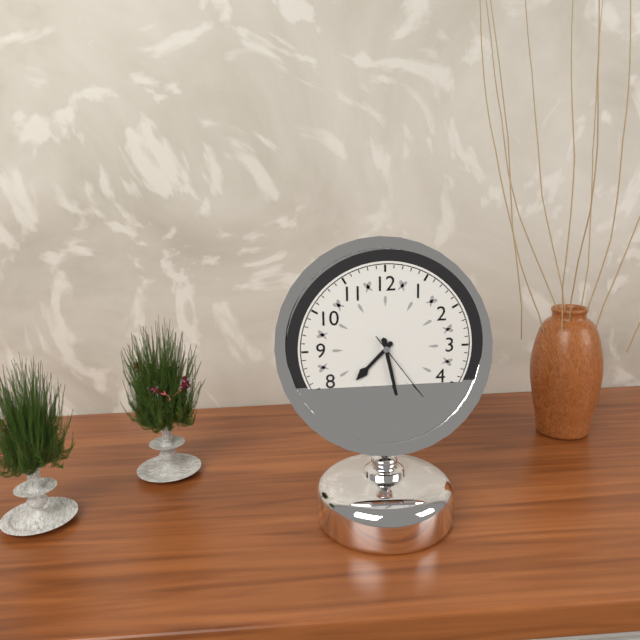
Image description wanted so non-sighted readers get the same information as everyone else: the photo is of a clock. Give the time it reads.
7:28:24
